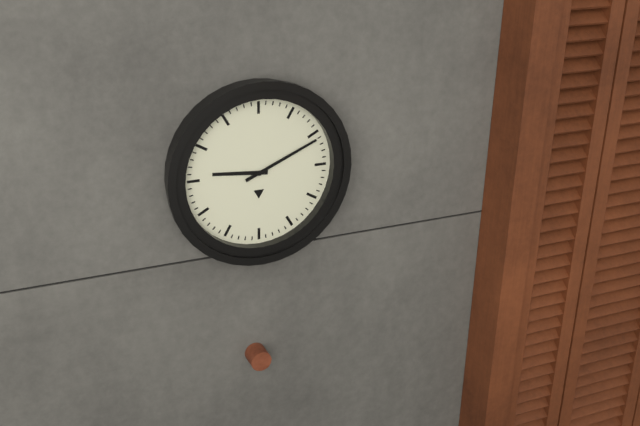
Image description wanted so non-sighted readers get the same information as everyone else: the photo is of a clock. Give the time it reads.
9:11
